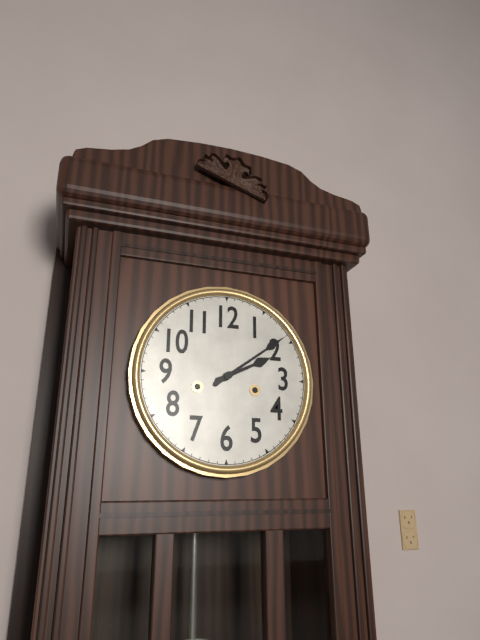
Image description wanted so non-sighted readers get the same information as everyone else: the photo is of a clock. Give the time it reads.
2:09
